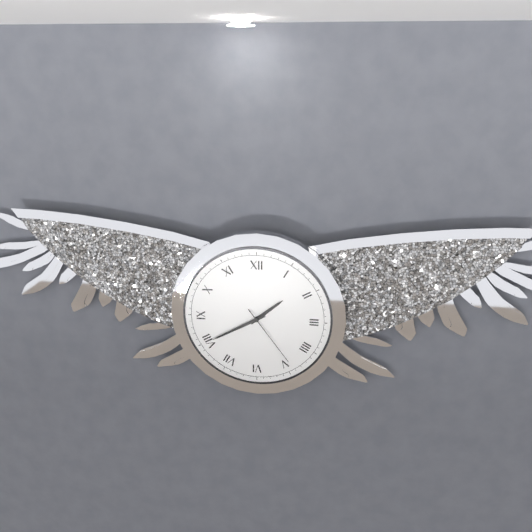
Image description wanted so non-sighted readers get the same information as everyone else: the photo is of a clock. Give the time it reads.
1:40:24
